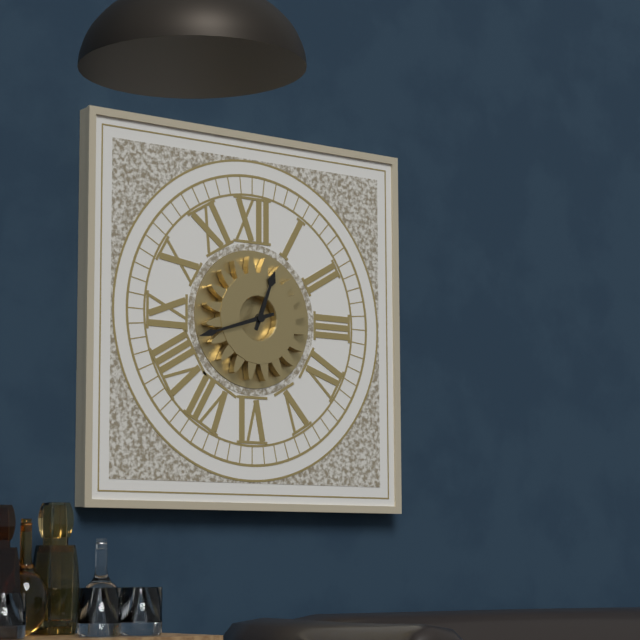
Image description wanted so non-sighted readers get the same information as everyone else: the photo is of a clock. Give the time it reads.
12:42
